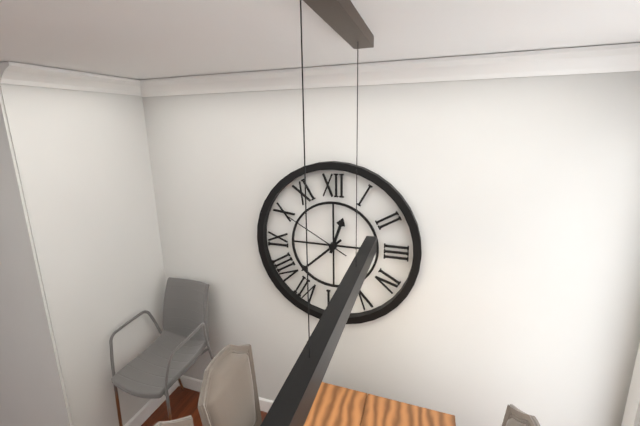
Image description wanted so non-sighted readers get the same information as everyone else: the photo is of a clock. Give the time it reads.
12:38:50
